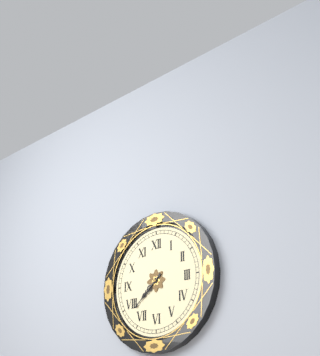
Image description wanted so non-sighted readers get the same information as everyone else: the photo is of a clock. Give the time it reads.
7:38
